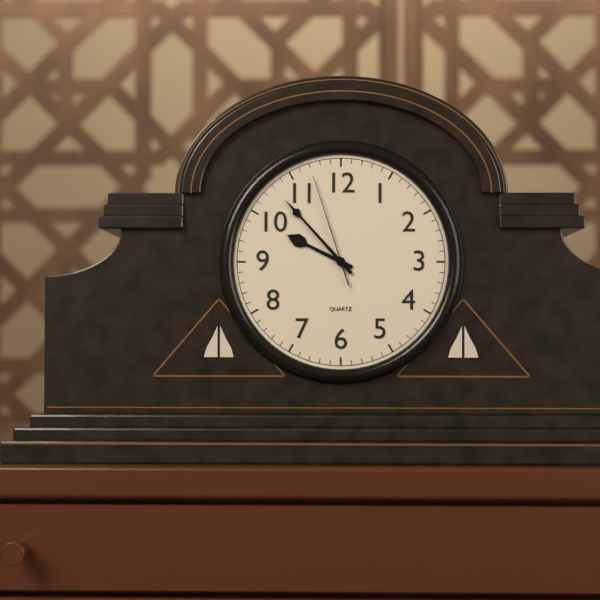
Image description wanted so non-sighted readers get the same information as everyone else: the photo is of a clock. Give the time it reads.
9:53:57
